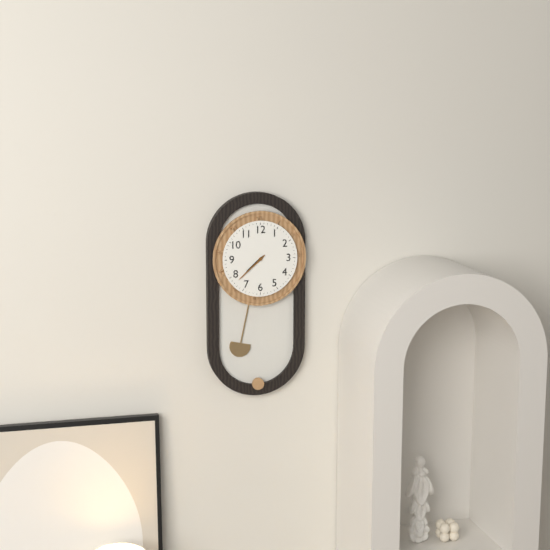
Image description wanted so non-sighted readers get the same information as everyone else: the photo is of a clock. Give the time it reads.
7:38
